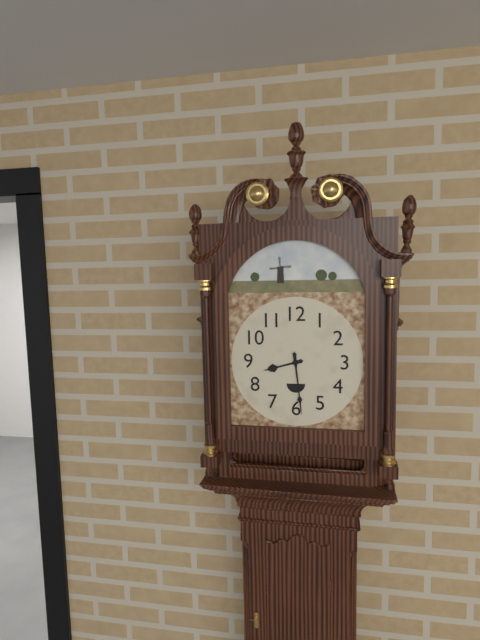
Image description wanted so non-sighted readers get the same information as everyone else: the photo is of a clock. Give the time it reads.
8:29
